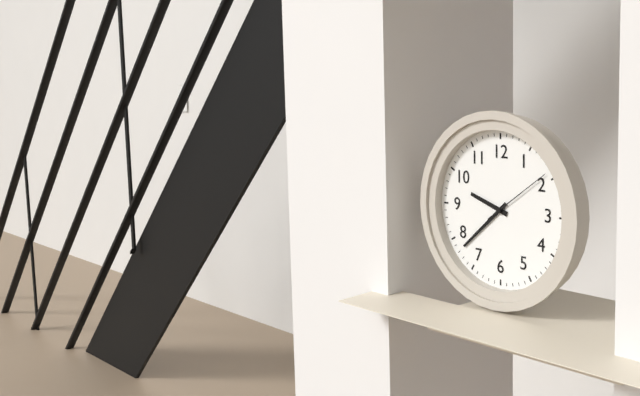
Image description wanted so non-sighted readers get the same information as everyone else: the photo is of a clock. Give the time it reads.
9:38:09
